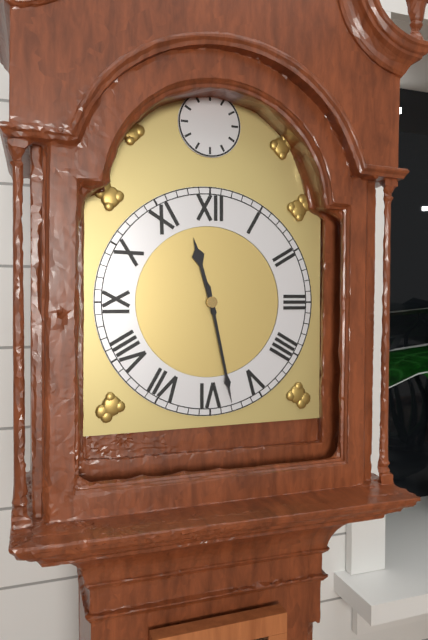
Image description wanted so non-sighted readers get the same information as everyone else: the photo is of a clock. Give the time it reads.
11:28
